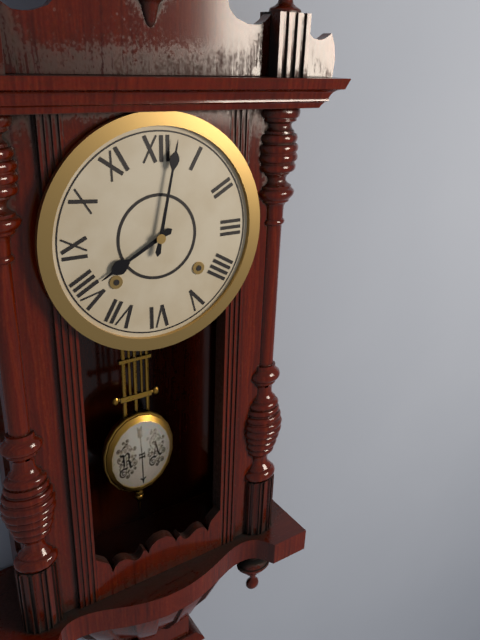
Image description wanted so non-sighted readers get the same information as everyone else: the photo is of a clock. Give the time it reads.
8:02
